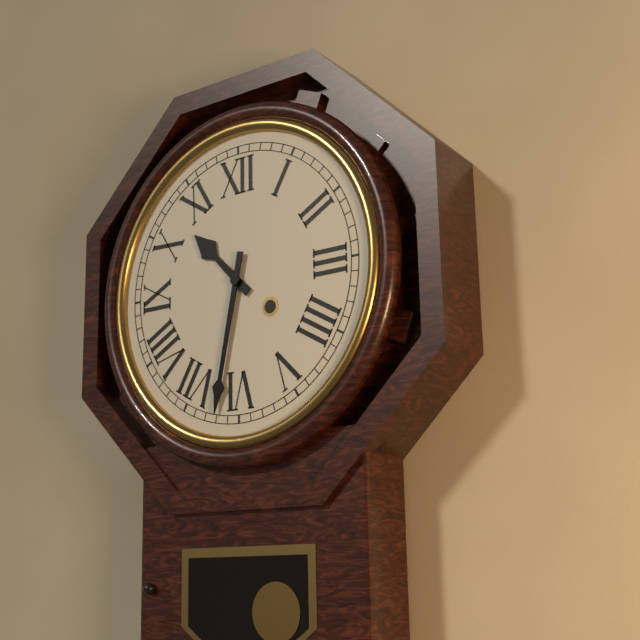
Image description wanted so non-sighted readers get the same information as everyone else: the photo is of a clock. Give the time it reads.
10:32
